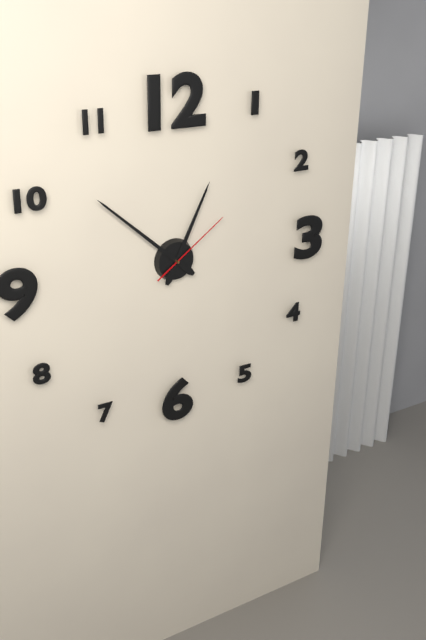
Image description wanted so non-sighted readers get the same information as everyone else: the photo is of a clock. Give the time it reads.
12:52:09
